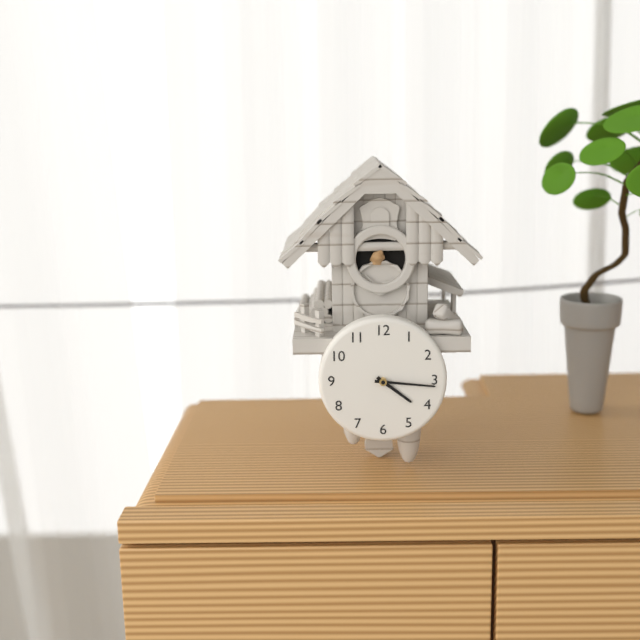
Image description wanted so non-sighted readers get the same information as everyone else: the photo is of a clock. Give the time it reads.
4:16
